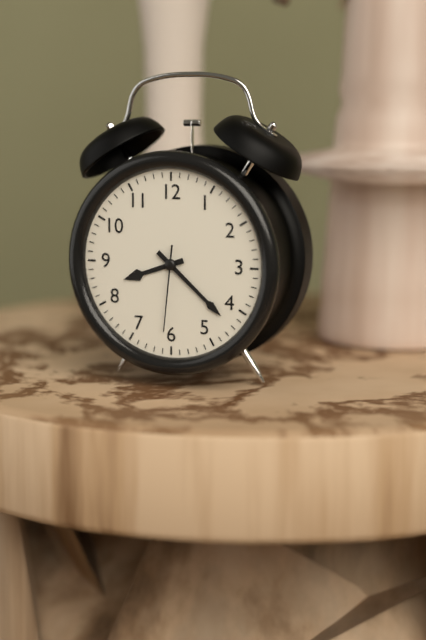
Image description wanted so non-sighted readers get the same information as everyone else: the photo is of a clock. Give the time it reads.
8:22:31
